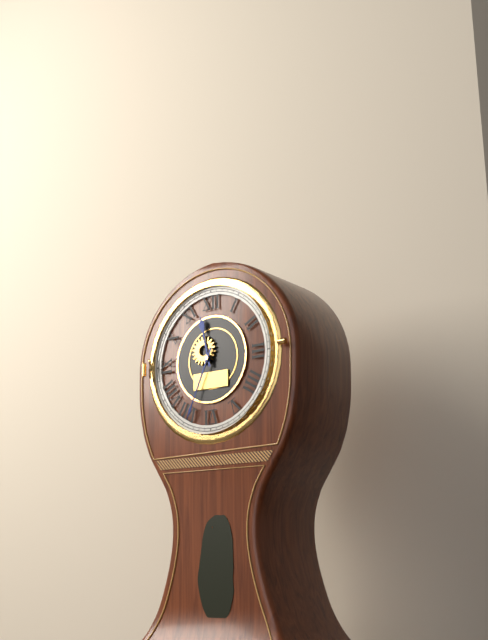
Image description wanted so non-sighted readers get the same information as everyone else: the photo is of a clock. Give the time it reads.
11:34
